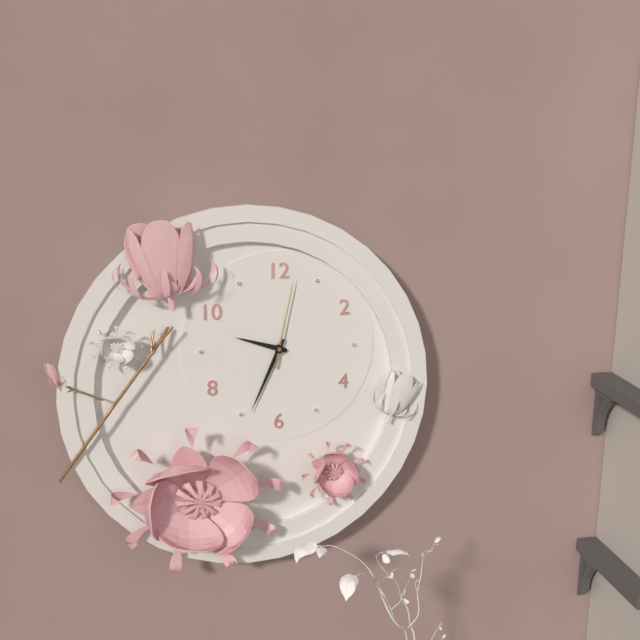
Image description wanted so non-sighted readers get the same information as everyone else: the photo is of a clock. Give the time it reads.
9:34:02
